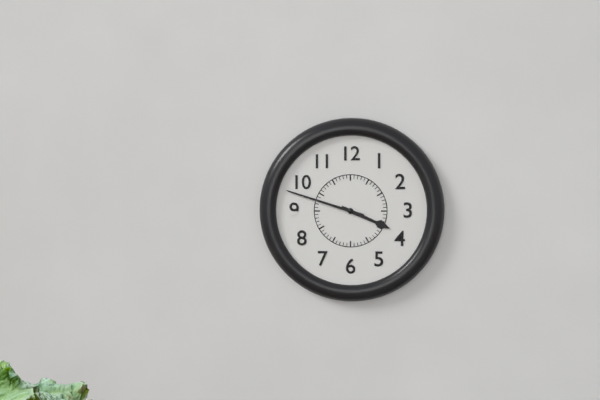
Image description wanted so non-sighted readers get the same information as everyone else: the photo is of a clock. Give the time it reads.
3:48
